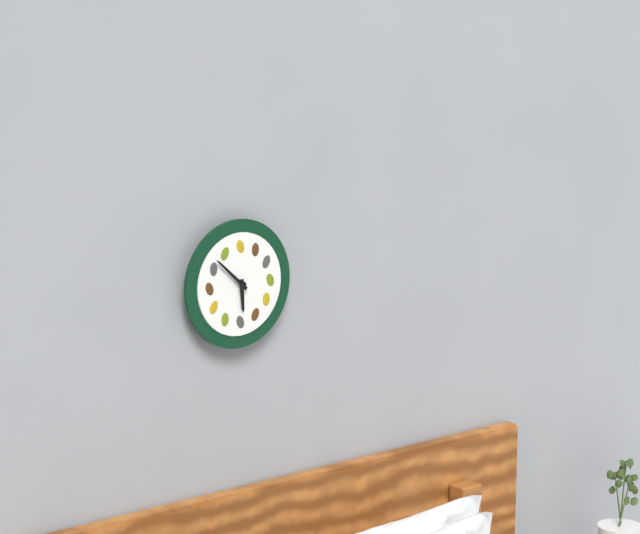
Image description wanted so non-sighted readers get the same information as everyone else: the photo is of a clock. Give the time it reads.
5:52
